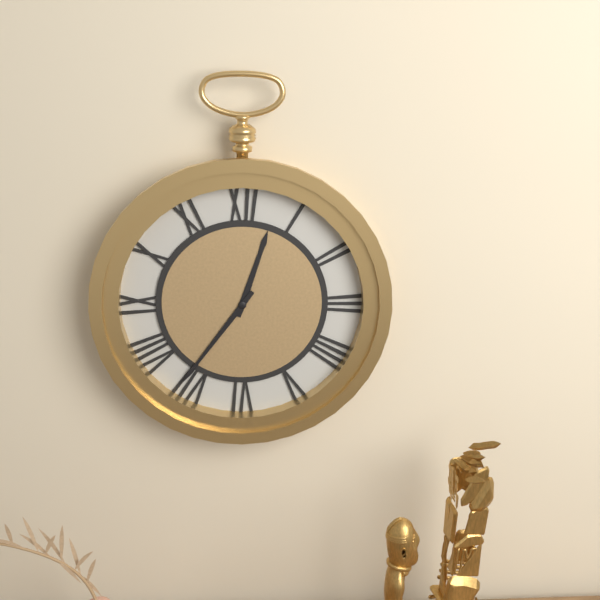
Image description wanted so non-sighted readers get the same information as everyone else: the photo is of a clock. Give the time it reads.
12:36
